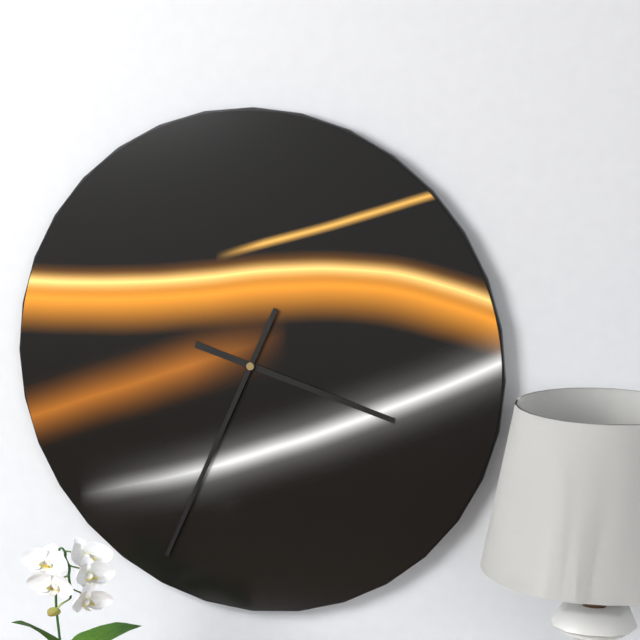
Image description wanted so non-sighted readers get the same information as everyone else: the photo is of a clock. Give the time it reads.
3:34
